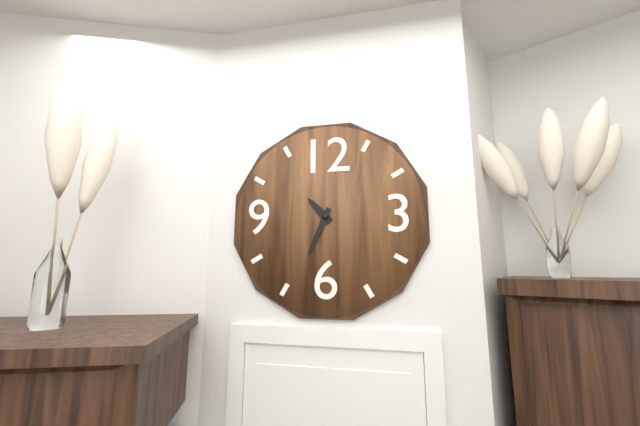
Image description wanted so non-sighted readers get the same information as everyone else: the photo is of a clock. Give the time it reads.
10:34
